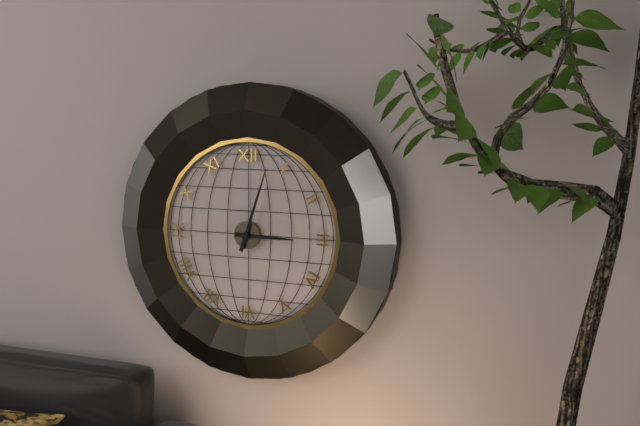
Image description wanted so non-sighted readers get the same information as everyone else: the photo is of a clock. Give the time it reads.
3:03
